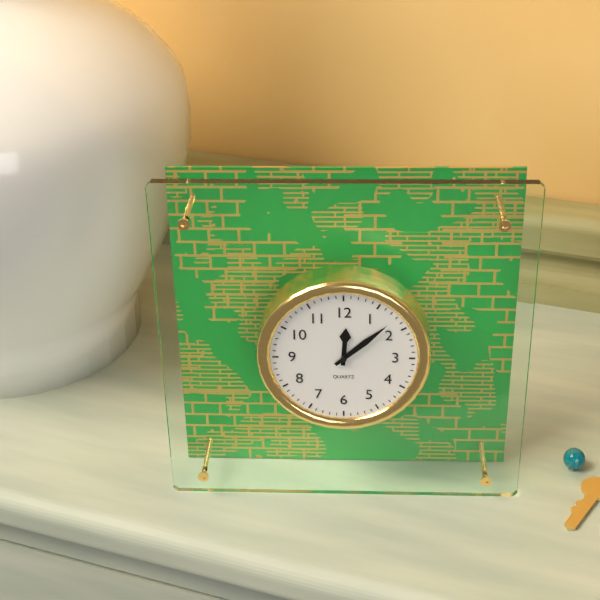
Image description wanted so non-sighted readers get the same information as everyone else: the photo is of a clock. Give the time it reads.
12:08
